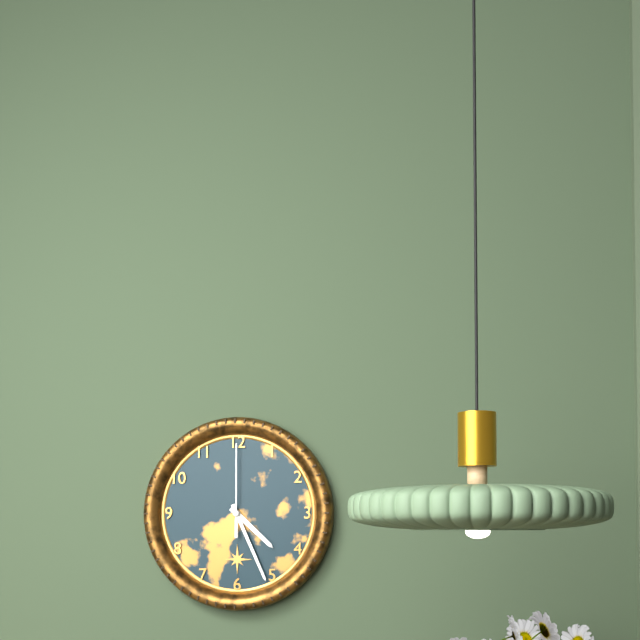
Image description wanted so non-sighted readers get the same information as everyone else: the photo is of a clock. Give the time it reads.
4:26:00
